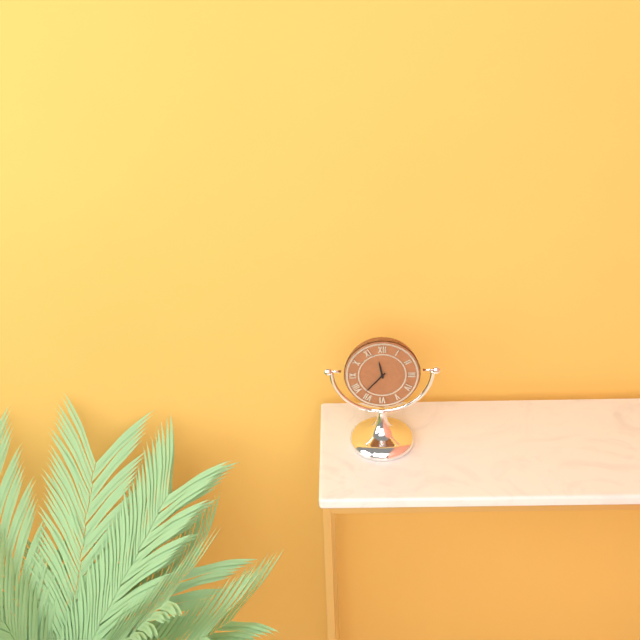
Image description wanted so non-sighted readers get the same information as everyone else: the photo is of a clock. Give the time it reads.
11:37
